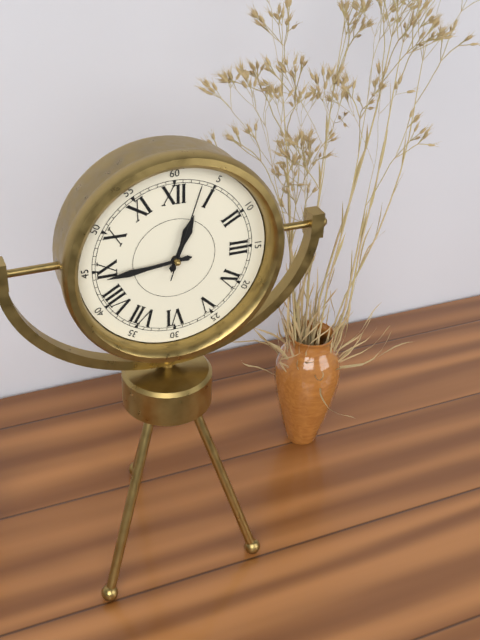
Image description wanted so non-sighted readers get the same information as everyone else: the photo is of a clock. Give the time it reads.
12:44:03
